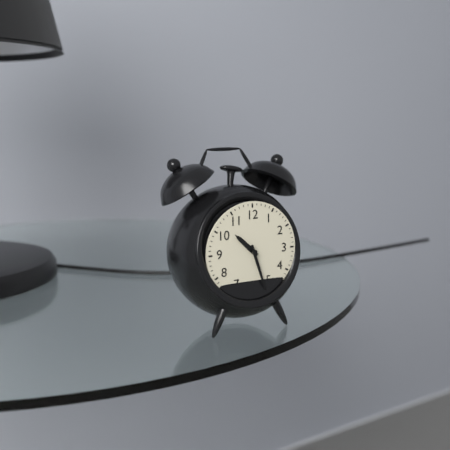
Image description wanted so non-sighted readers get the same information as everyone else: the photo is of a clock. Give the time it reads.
10:27
